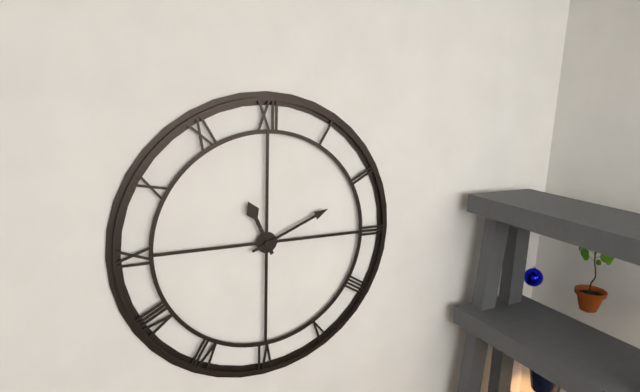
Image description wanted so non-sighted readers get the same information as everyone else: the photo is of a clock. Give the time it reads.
11:11
